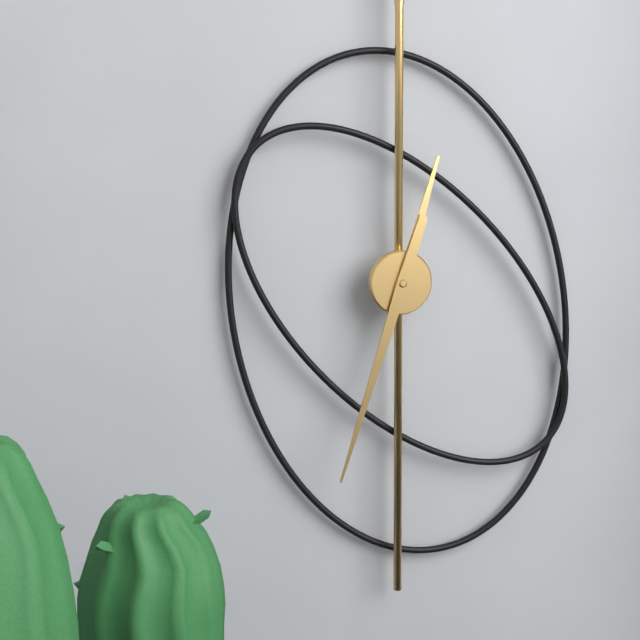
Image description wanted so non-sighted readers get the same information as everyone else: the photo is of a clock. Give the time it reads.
12:33
